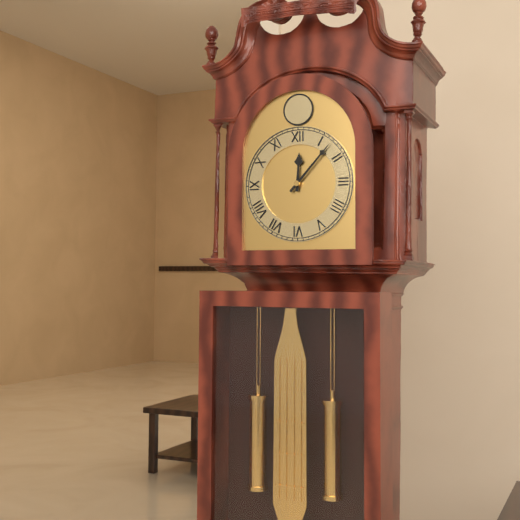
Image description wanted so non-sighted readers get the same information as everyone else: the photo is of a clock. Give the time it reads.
12:07
